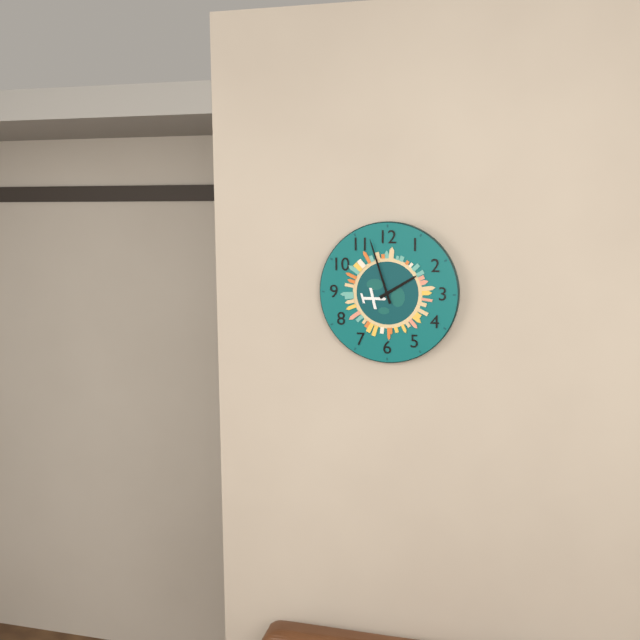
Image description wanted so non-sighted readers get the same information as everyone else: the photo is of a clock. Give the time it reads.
1:57
